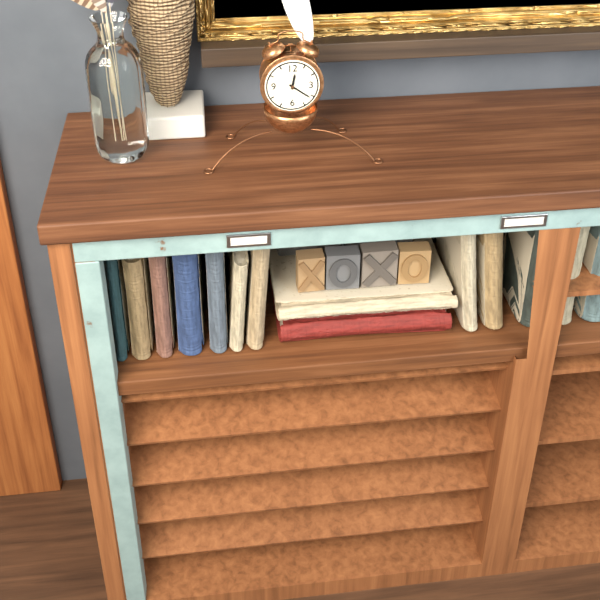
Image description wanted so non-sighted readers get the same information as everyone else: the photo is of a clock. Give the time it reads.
12:21
